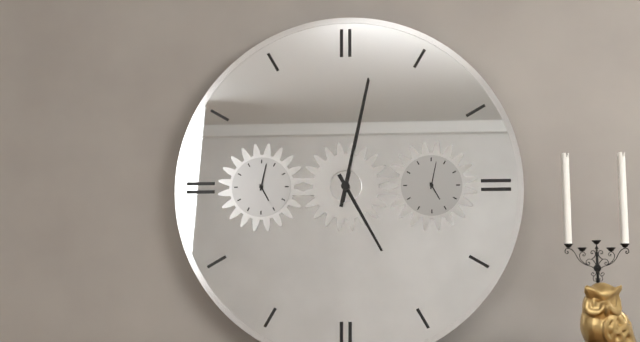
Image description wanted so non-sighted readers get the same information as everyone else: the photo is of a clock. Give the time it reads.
5:02
